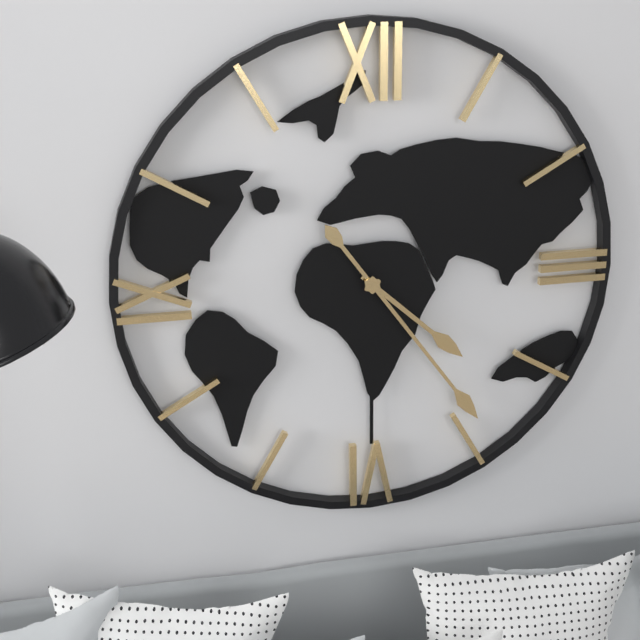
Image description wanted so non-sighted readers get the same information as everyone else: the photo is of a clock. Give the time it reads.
4:24
